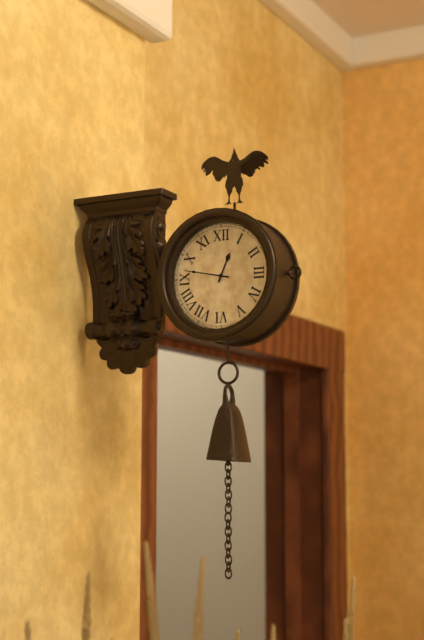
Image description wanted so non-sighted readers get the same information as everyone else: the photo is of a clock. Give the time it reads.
12:47
